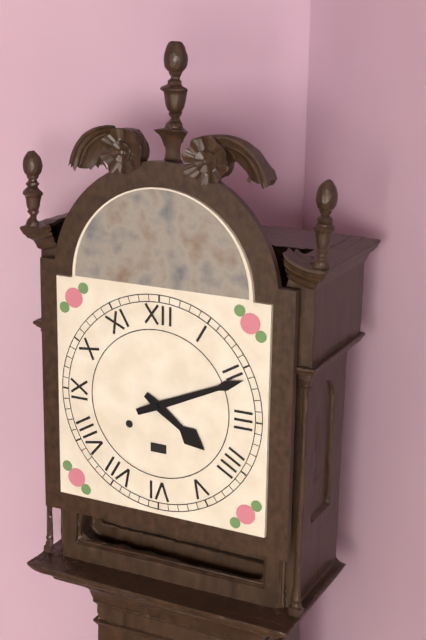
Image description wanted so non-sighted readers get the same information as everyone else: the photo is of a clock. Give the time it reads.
4:11
